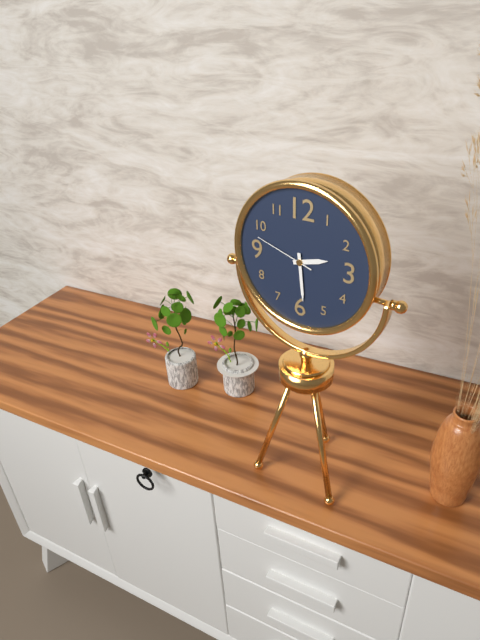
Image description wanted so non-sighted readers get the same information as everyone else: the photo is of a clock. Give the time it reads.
2:29:48
